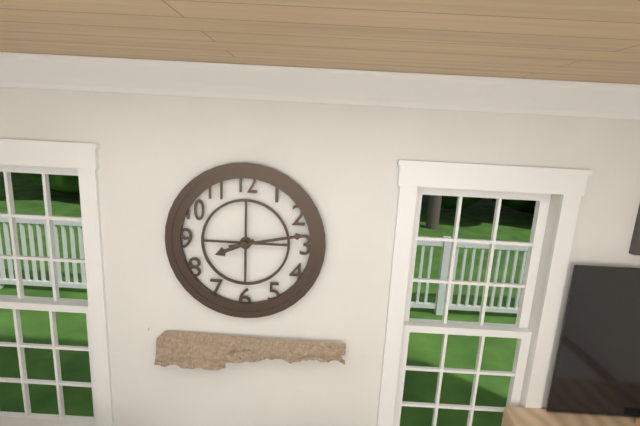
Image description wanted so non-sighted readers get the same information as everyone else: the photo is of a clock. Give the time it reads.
8:13
